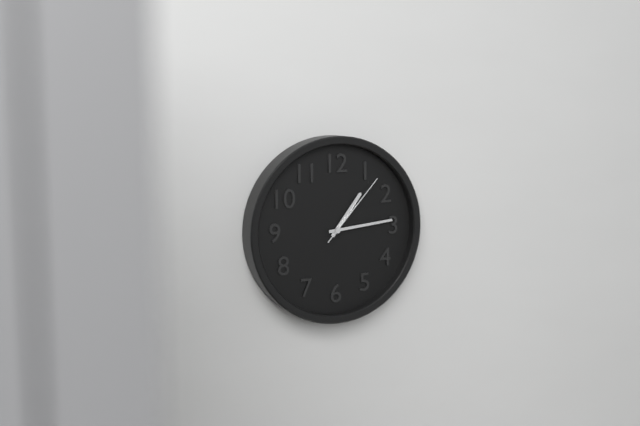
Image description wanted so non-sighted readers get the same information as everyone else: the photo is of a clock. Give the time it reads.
1:14:07
